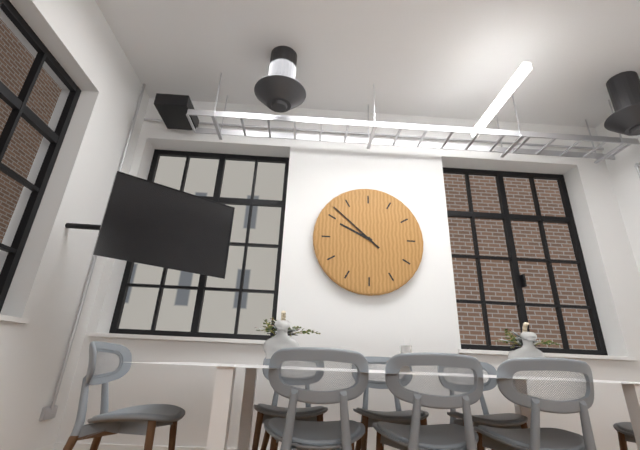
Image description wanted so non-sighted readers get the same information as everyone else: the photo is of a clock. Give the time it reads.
9:52
